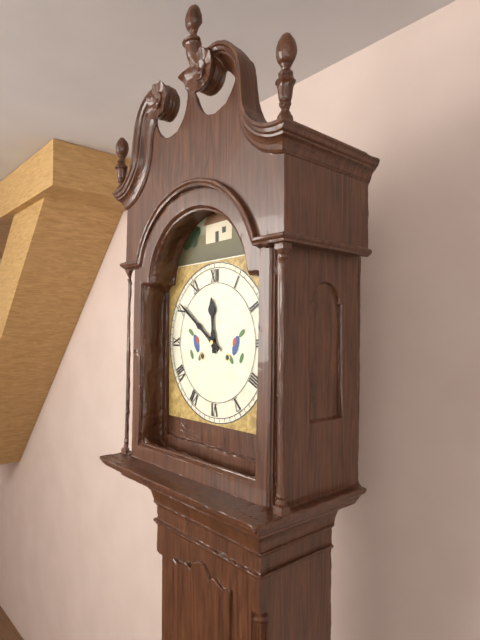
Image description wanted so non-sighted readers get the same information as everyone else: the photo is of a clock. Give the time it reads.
11:51
